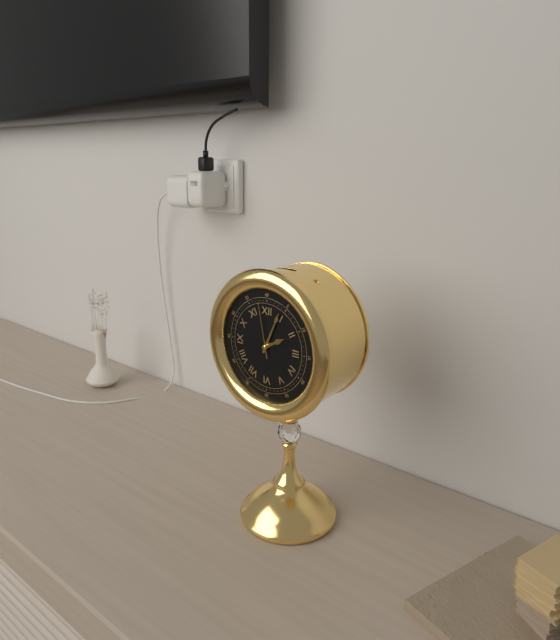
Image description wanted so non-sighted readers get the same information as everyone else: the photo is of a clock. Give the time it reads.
2:04:58
